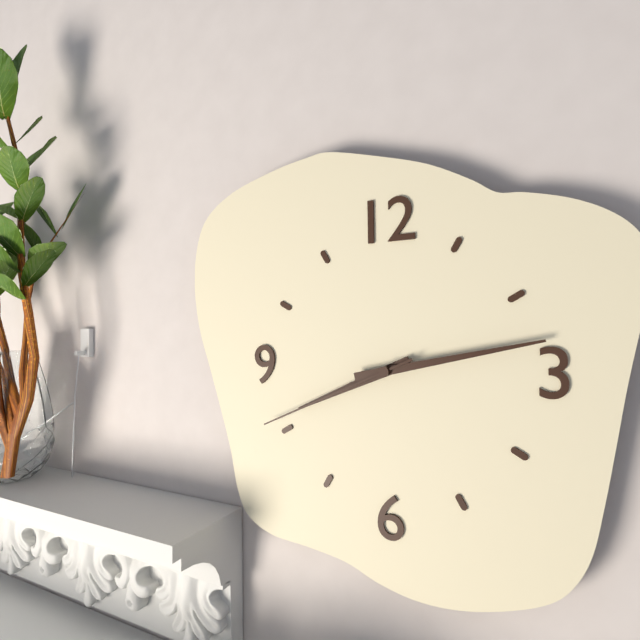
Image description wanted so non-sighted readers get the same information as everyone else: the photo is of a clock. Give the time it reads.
8:13:41
